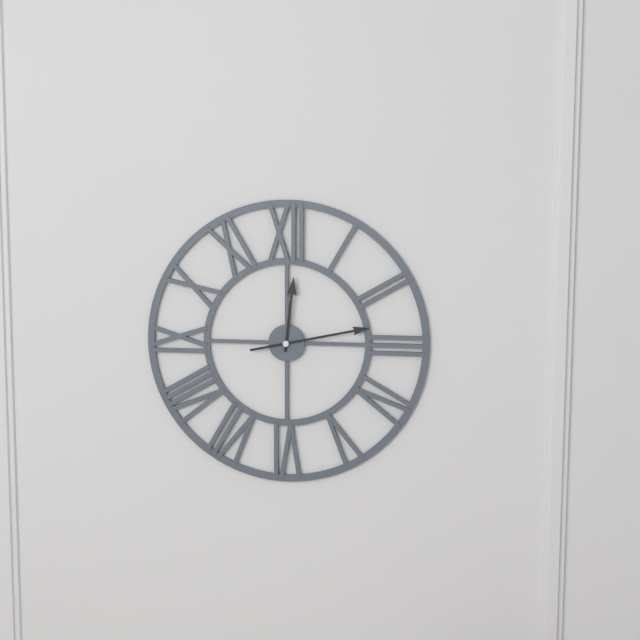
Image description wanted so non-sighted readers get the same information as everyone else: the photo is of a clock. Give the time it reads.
12:13
